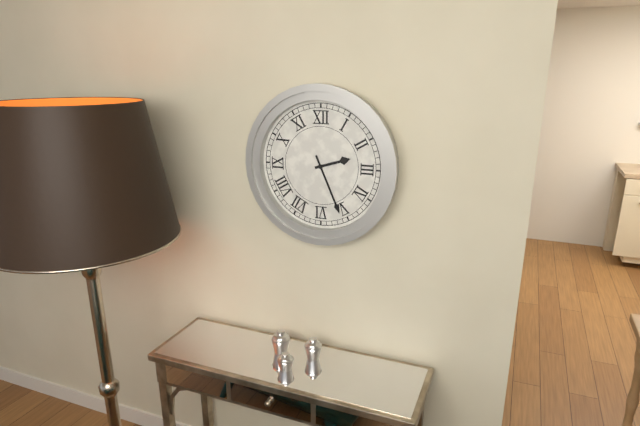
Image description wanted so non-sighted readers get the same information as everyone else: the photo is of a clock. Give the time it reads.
2:26
